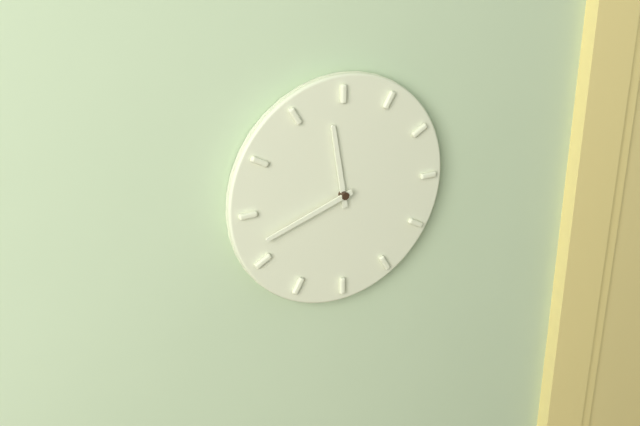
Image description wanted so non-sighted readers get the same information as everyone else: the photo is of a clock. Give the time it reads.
11:42
